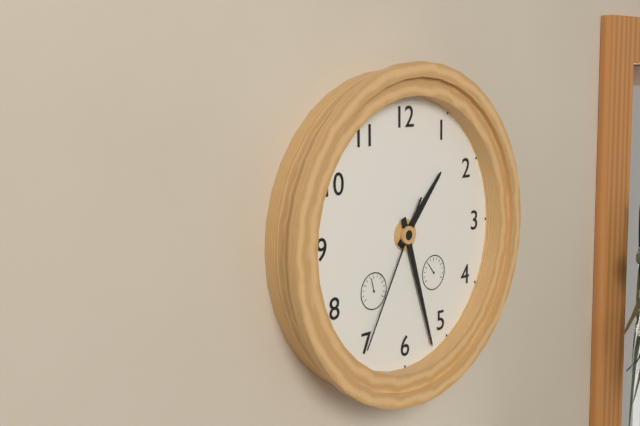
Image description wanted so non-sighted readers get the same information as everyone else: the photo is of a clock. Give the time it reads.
1:27:35
